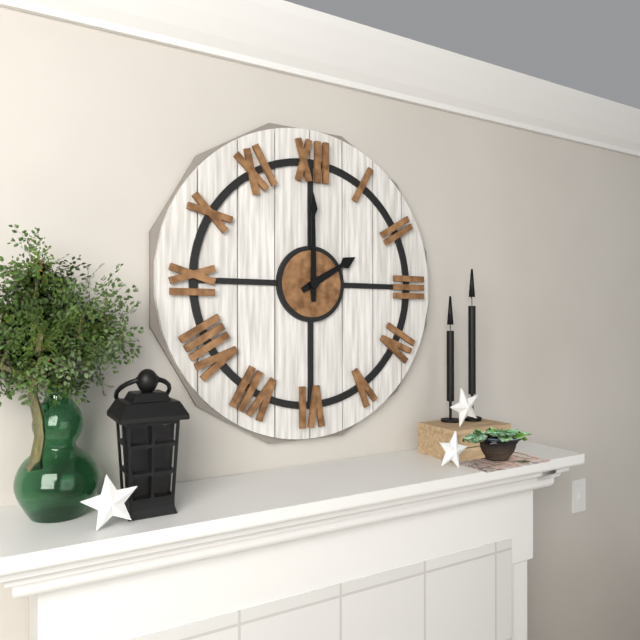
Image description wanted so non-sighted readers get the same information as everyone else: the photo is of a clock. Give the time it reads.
2:00
